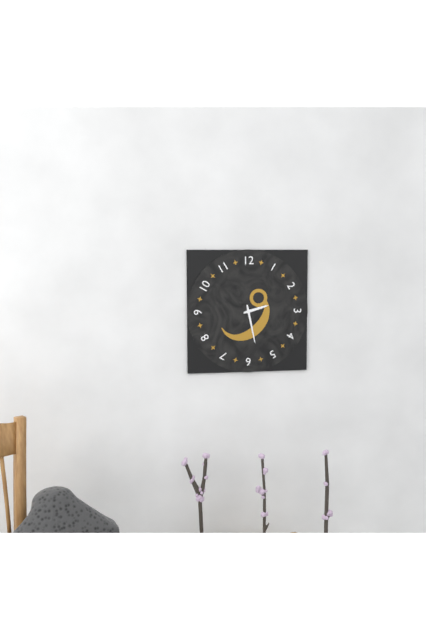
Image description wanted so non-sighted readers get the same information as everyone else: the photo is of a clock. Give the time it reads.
2:28
